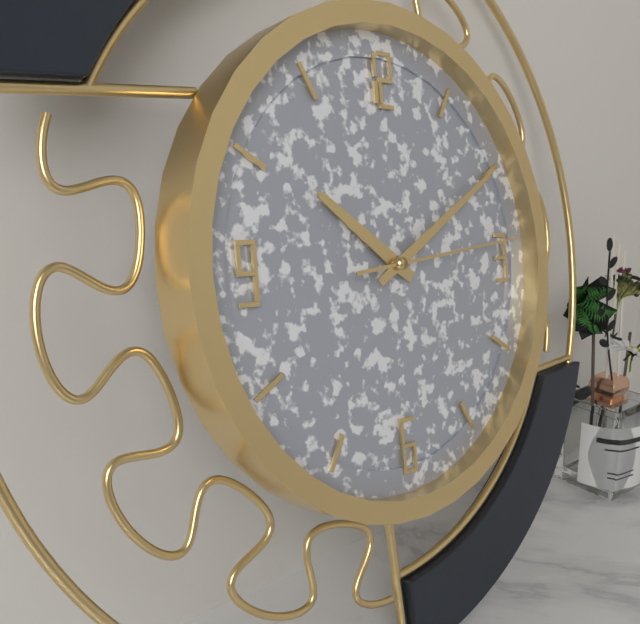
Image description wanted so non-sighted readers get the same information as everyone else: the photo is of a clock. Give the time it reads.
10:10:14
